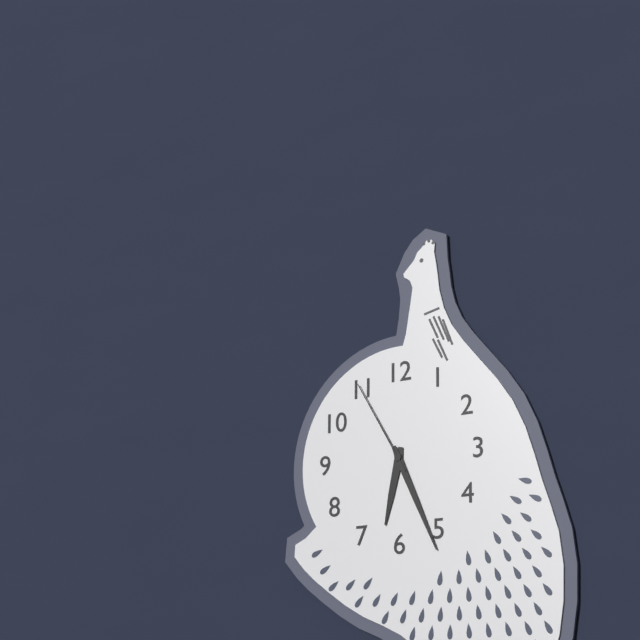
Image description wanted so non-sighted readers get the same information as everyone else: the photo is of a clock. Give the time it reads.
6:26:55
